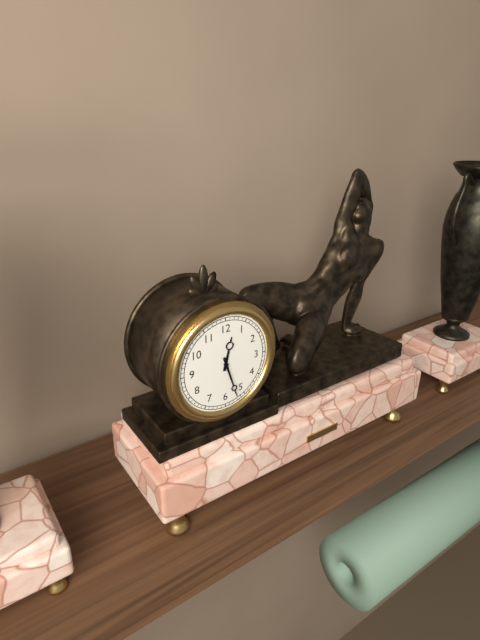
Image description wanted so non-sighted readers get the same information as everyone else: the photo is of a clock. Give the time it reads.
12:27
